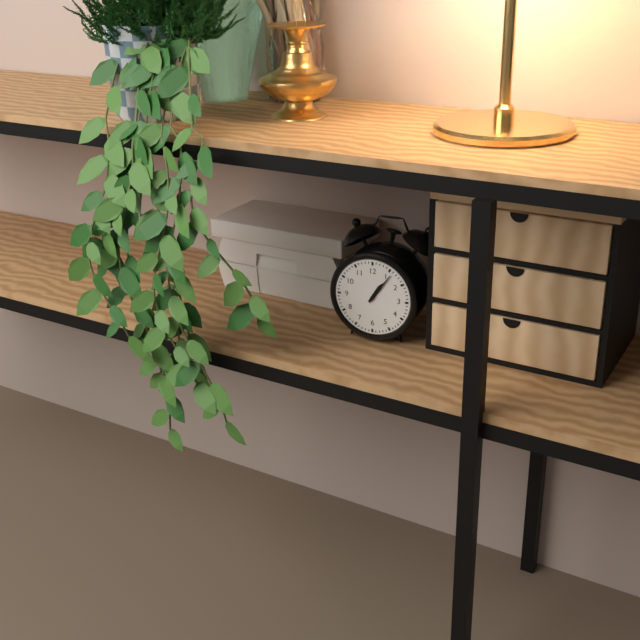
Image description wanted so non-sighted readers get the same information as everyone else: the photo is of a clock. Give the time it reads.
1:06
